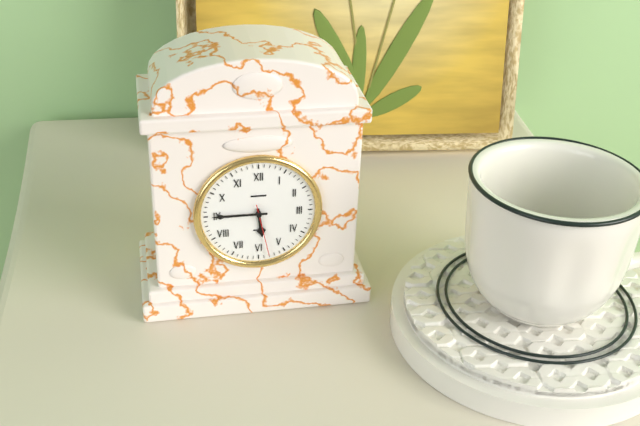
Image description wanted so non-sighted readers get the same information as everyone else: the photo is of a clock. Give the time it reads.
5:45:28
